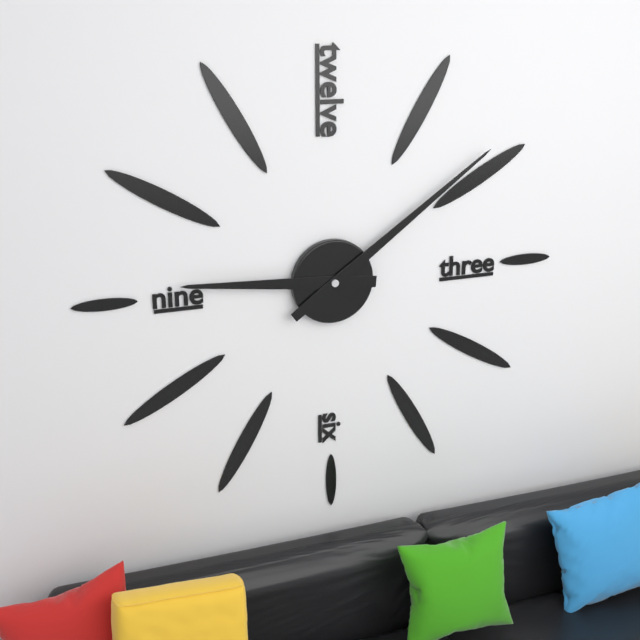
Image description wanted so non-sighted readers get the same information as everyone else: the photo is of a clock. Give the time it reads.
9:09
